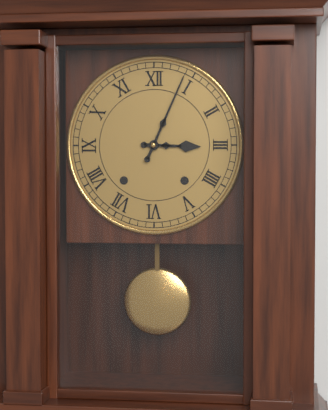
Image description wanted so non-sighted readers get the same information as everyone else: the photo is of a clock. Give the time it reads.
3:04
